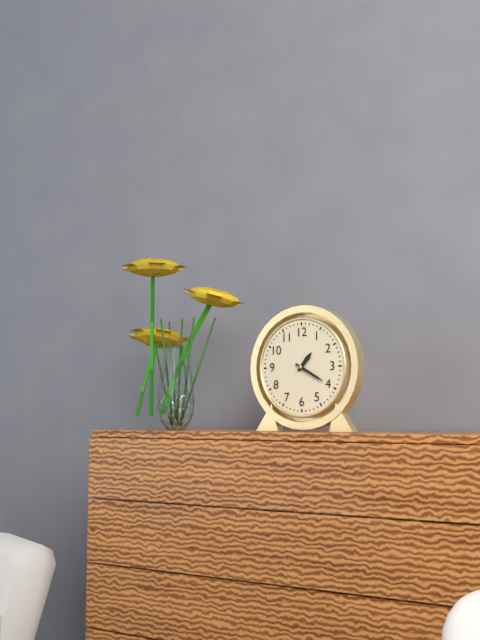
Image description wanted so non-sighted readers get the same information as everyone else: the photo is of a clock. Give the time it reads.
1:20
